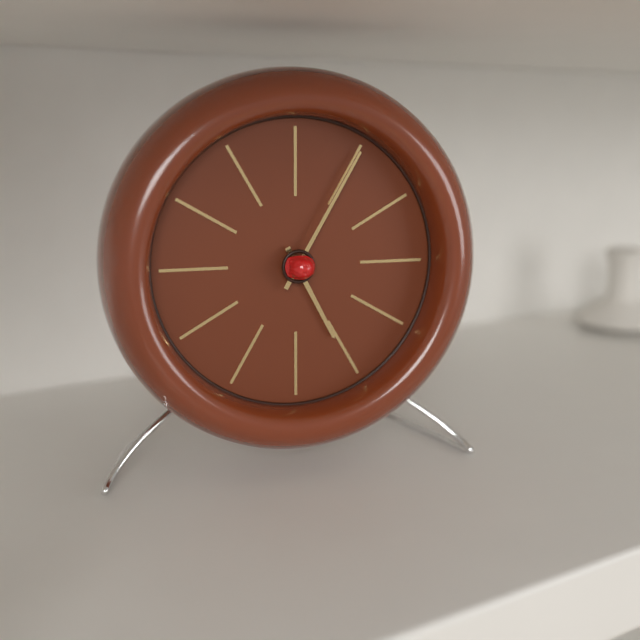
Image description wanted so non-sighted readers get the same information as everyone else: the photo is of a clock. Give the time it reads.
5:05
